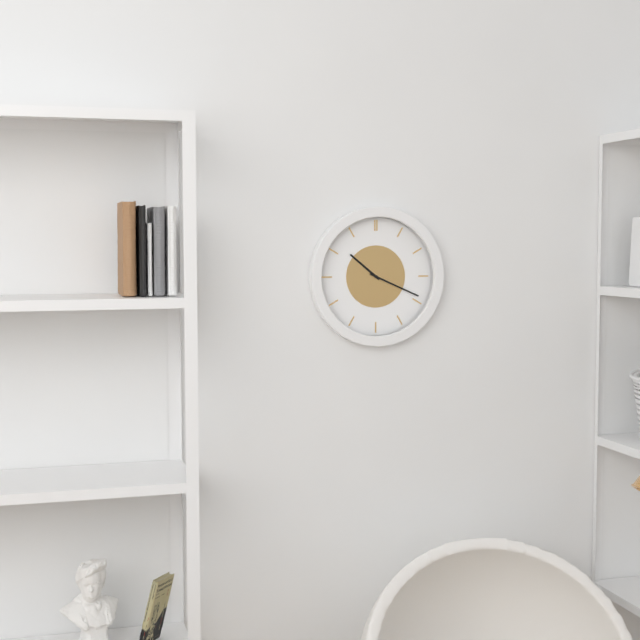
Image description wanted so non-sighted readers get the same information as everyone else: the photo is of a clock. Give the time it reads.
10:19
